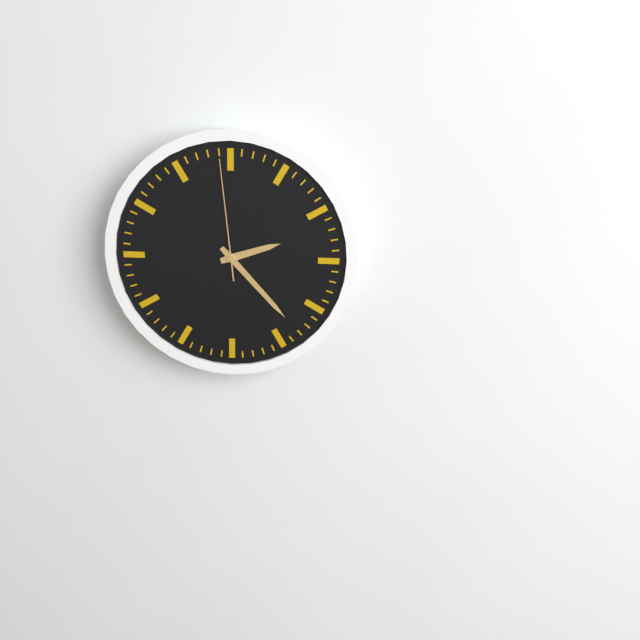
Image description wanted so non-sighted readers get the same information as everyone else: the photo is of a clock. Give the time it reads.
2:23:59
